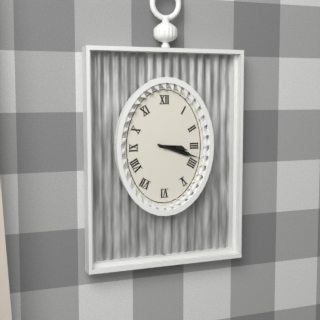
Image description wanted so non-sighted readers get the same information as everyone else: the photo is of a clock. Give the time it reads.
3:18
